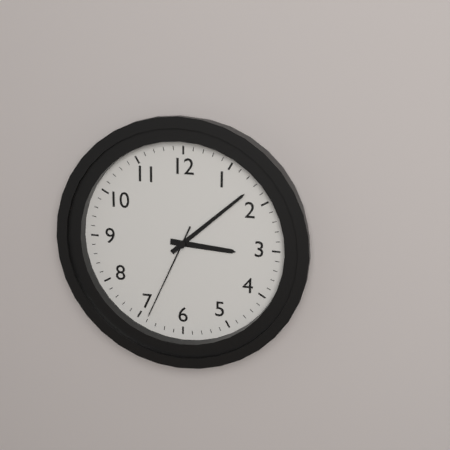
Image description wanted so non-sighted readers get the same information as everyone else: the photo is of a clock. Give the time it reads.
3:08:34
